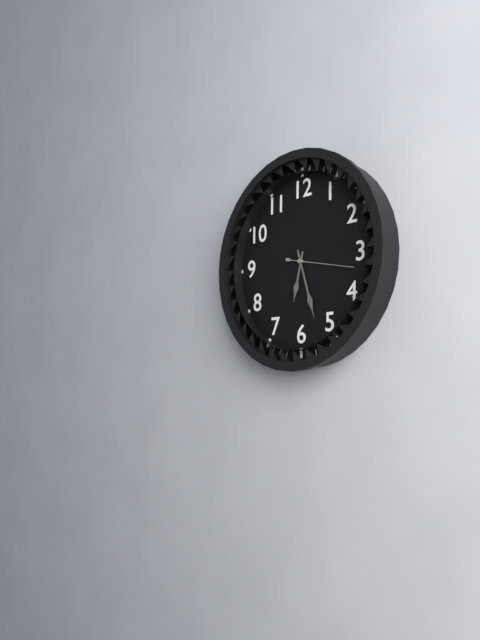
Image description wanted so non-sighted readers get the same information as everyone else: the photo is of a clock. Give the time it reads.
6:27:17
